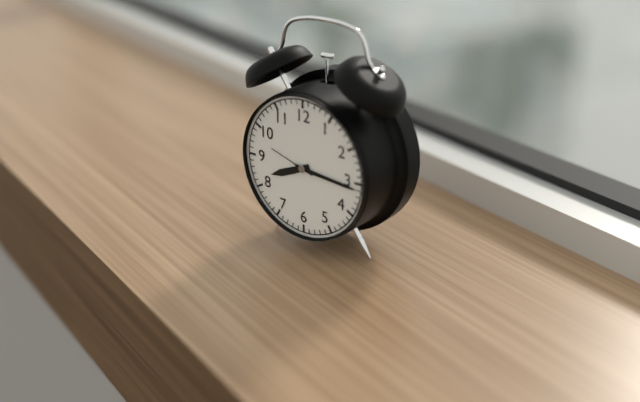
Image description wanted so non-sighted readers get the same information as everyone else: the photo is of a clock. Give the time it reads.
8:16:48
